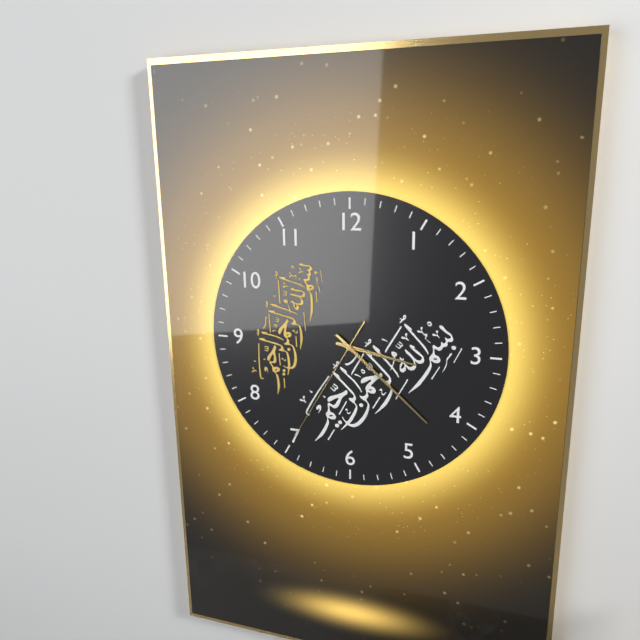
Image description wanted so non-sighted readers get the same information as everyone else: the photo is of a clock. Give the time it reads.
3:22:35
